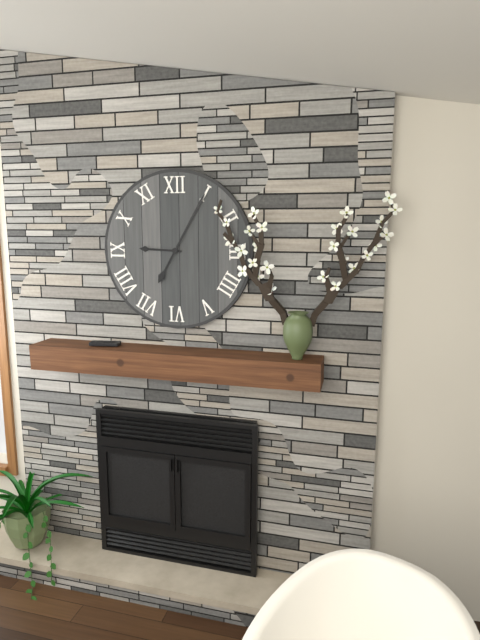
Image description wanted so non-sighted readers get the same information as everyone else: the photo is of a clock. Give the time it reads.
9:05
